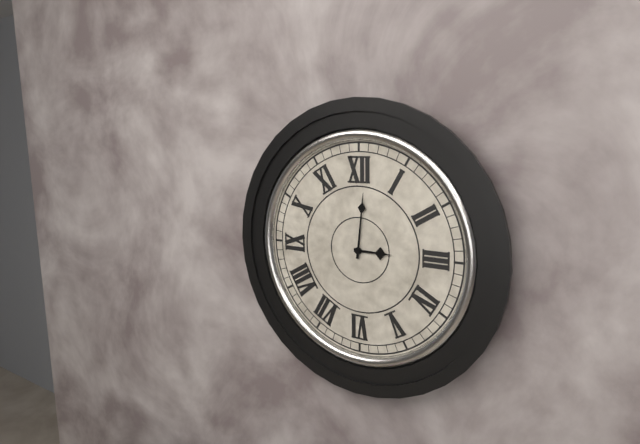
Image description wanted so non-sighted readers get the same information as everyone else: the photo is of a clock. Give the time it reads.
3:01
